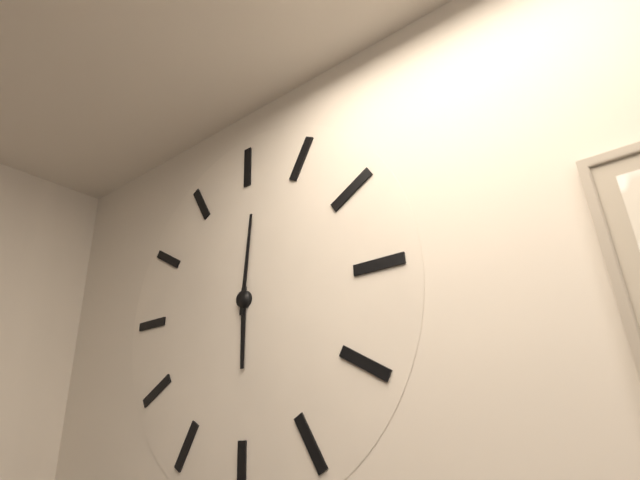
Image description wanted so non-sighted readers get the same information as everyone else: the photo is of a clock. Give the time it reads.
6:01
